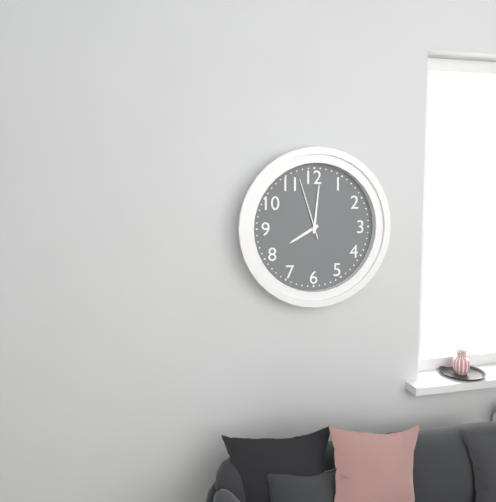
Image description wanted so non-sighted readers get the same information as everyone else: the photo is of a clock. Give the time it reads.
8:01:57
